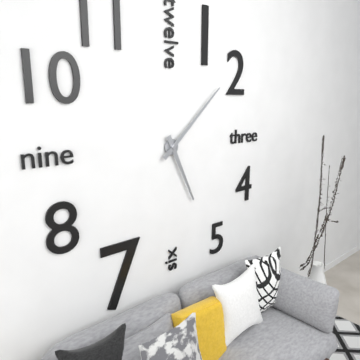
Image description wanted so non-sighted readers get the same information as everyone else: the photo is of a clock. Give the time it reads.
5:08
